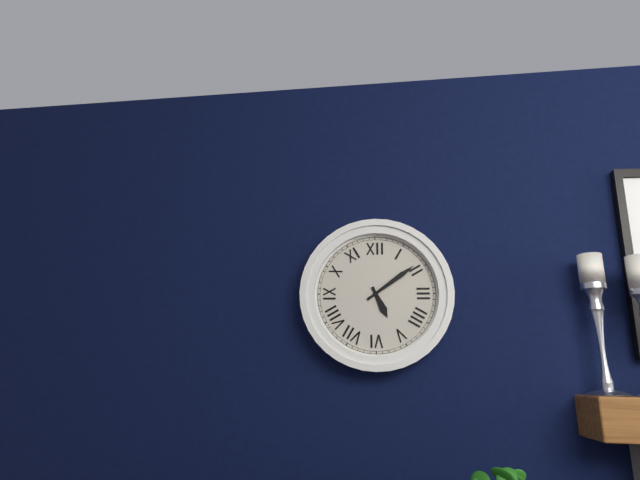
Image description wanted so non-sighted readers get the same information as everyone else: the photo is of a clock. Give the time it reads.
5:09
